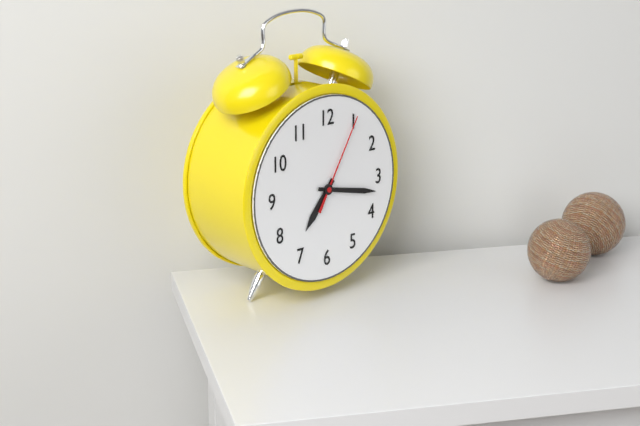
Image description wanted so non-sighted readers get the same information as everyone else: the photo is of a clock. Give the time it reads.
7:17:05
